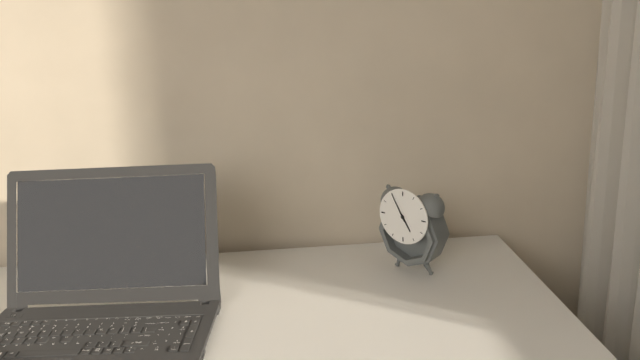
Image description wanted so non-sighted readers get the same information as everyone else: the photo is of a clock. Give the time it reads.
4:55
